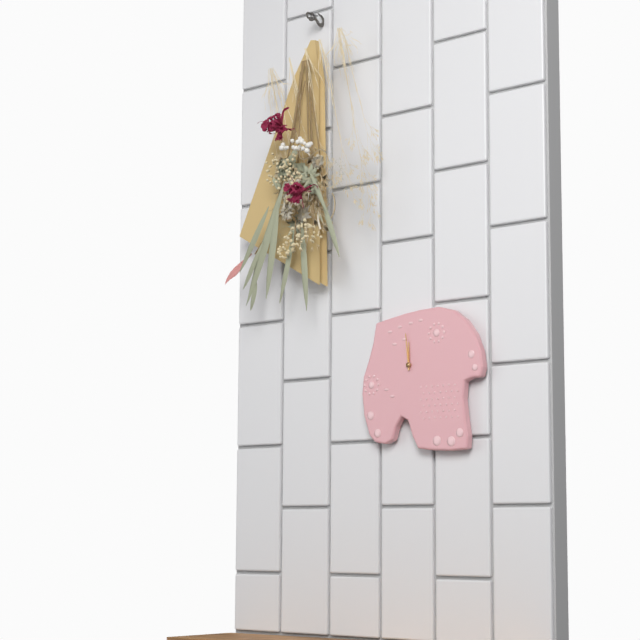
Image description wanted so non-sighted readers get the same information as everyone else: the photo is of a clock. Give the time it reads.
11:59
